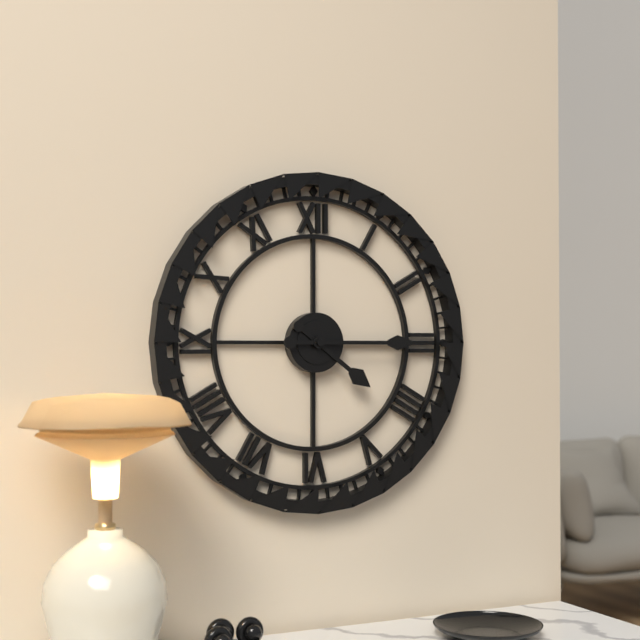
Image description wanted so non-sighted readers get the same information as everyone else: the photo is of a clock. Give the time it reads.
4:15
